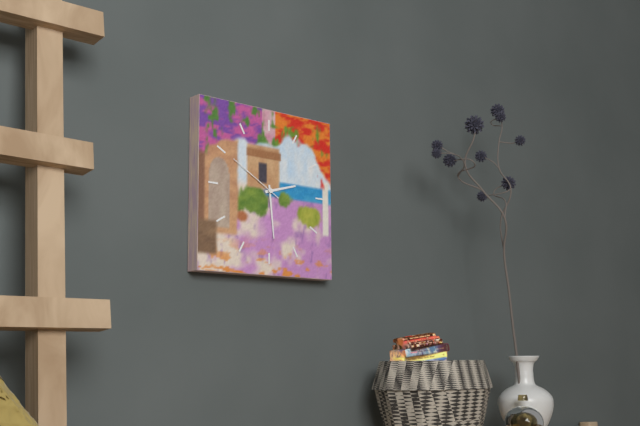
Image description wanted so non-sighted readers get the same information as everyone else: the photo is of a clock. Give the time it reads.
2:29:50
